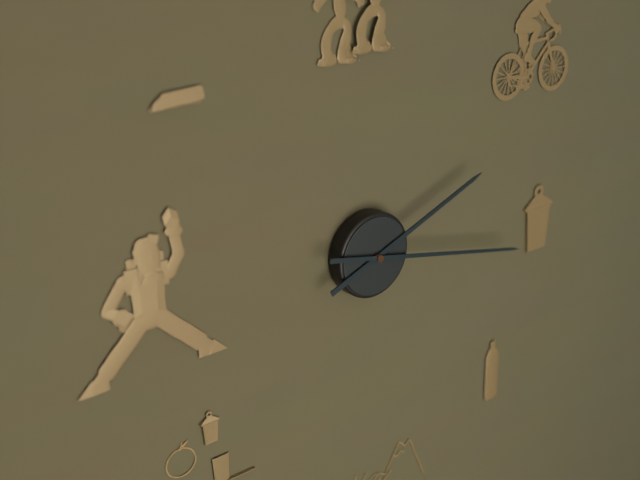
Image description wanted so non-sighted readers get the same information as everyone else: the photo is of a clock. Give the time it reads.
2:17
